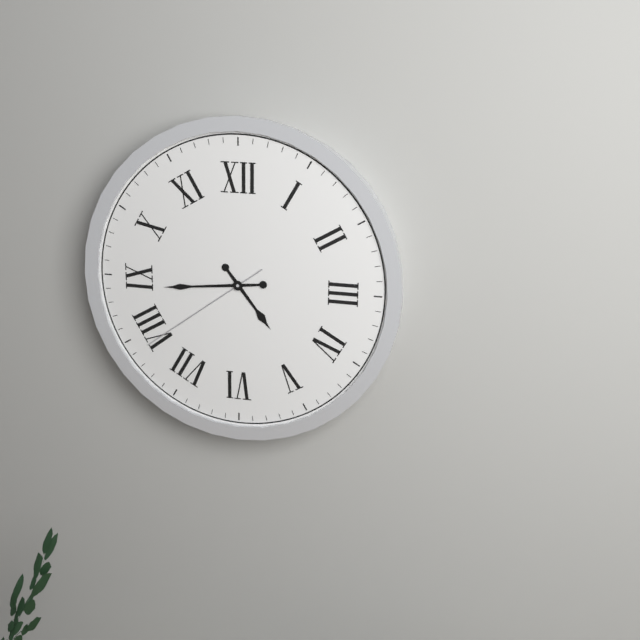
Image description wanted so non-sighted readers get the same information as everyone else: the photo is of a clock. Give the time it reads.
4:44:39
